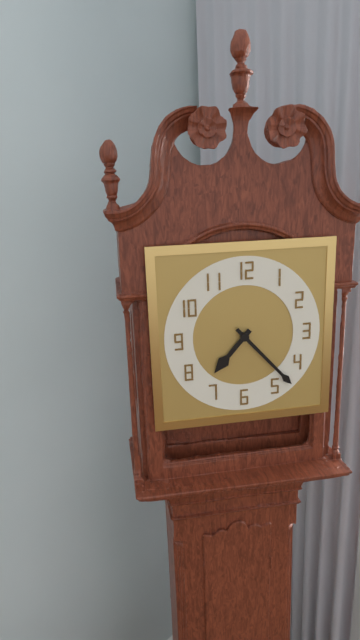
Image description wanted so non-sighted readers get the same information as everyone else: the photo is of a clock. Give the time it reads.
7:23
